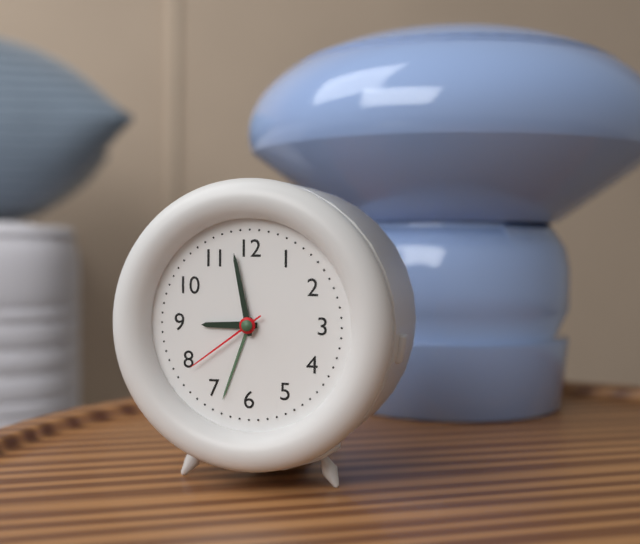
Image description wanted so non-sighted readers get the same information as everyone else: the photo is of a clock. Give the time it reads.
8:58:39
